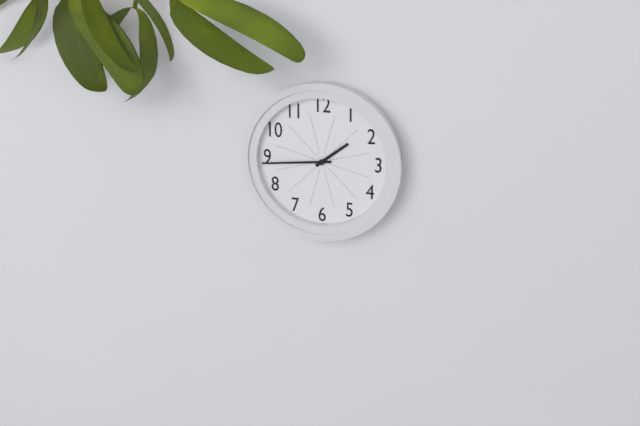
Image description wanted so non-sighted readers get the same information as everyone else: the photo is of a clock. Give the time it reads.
1:44
